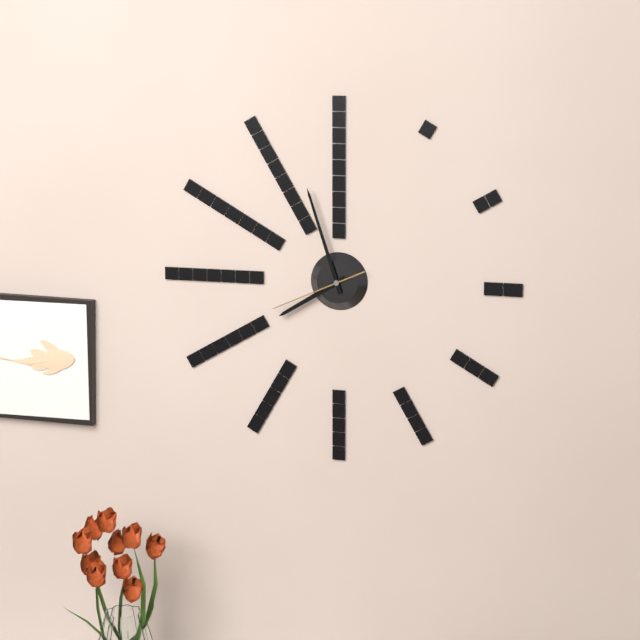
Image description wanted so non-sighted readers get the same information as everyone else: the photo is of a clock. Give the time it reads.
7:57:41
